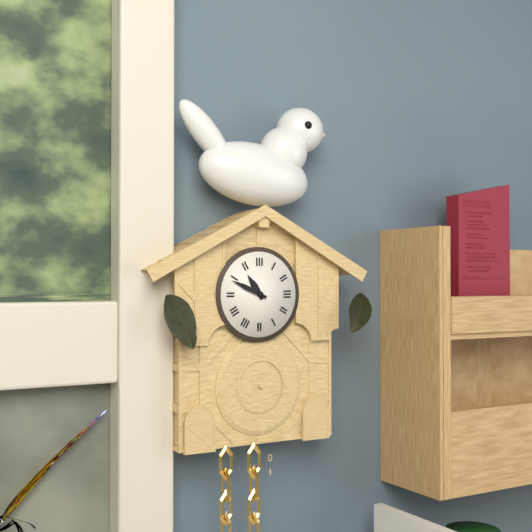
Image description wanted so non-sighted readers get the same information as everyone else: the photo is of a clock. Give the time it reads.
10:49
